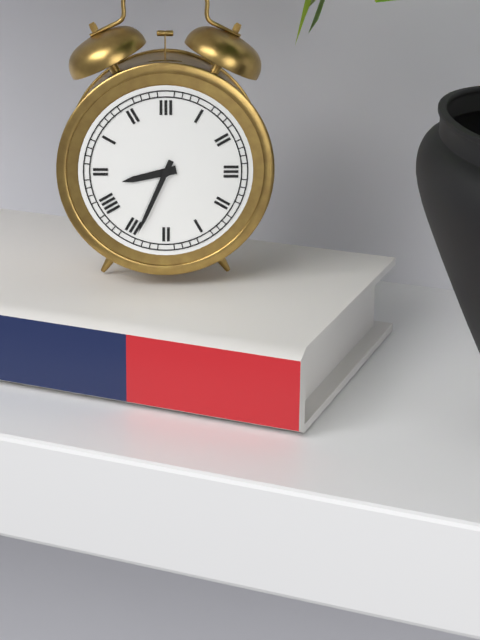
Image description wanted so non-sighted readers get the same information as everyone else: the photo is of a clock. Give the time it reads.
8:34
